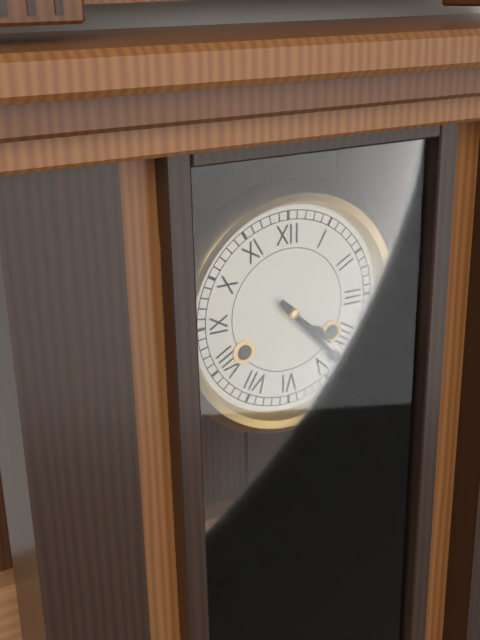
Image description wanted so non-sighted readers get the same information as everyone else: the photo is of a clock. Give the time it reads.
4:23
